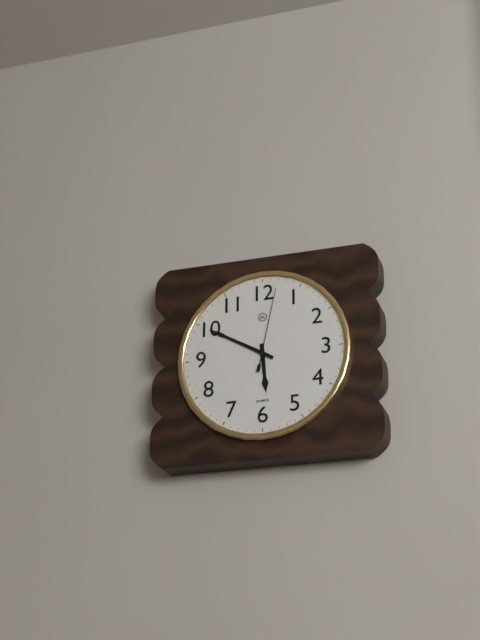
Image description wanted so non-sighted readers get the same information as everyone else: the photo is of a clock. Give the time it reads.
5:50:02
